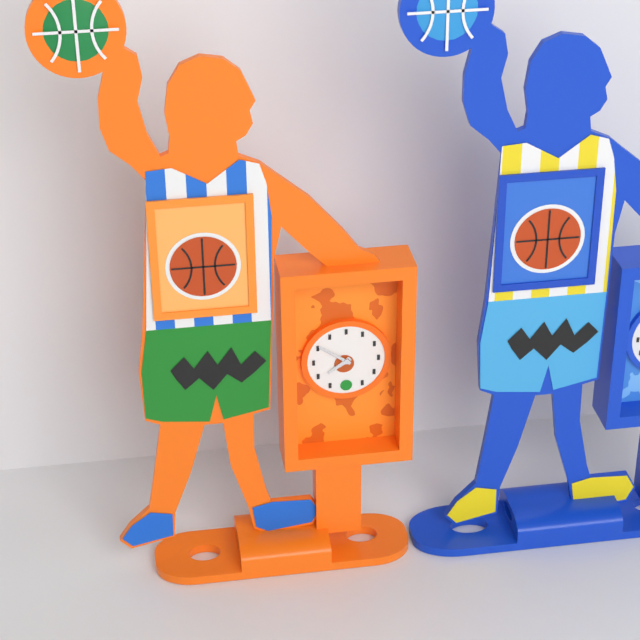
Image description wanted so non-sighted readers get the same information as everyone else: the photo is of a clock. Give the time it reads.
7:51
